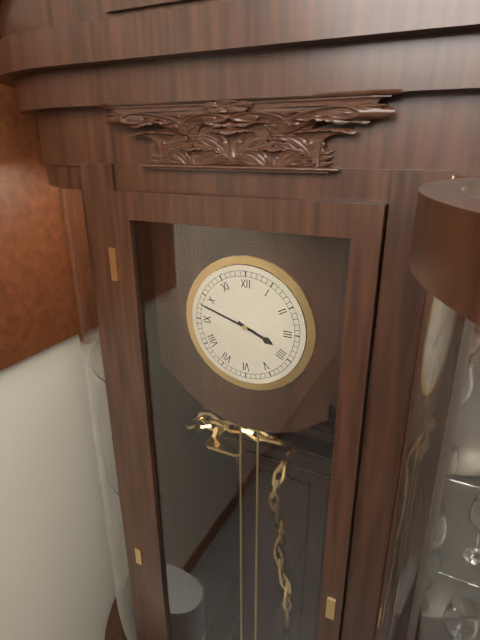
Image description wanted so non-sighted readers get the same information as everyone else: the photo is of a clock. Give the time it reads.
3:48
